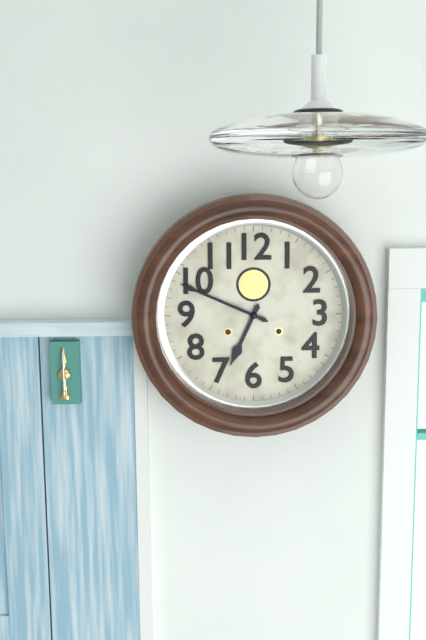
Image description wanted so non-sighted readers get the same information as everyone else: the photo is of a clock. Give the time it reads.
6:49
